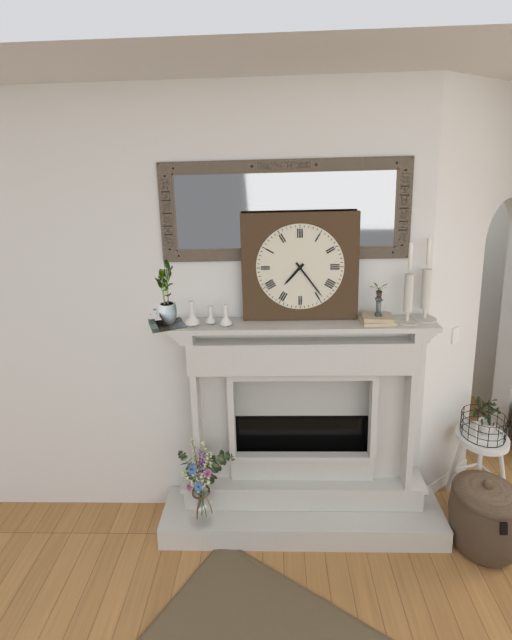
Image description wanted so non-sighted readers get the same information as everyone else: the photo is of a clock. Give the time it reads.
7:24
